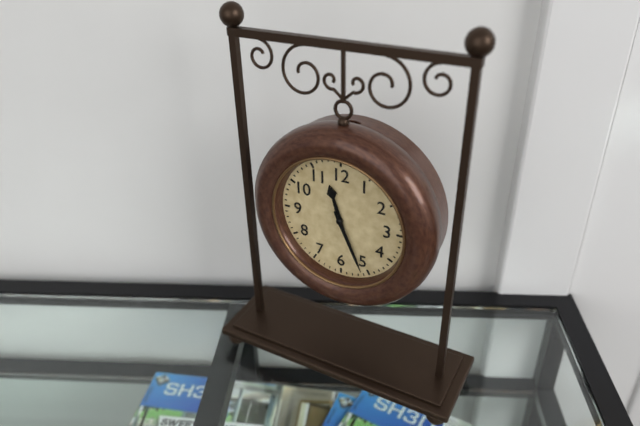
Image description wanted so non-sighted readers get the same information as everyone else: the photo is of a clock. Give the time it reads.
11:26
